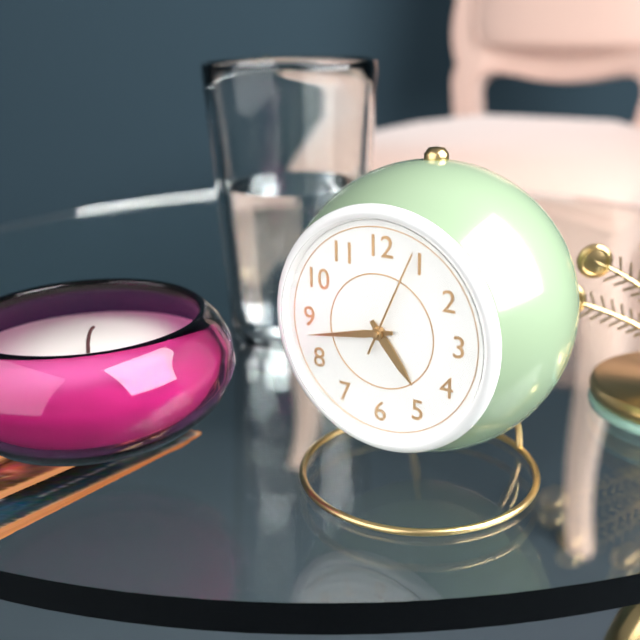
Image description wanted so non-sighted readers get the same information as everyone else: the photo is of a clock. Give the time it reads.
4:43:04
